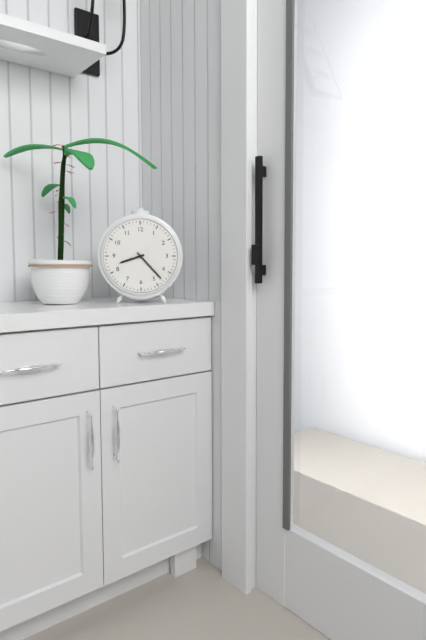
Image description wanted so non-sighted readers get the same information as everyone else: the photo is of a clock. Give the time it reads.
8:23
